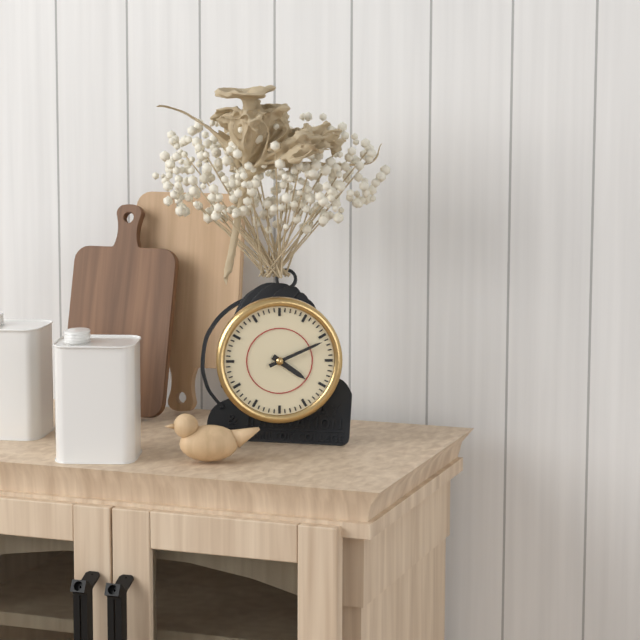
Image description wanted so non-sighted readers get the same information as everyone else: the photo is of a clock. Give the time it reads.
4:11
